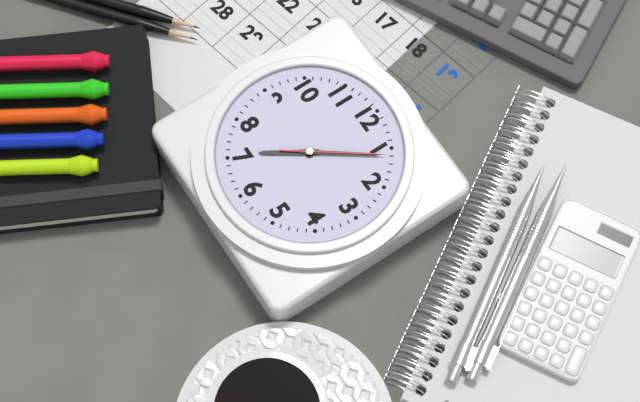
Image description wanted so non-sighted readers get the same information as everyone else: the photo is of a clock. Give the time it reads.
7:06:06
